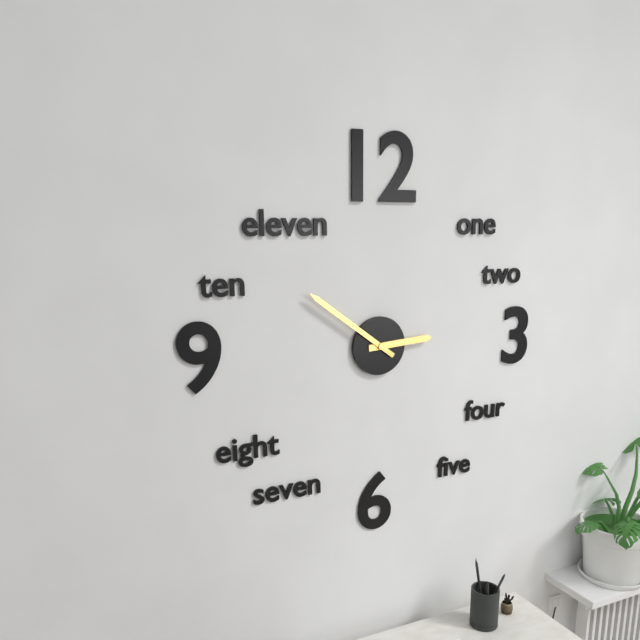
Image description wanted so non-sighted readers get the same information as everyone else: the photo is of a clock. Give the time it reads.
2:51
